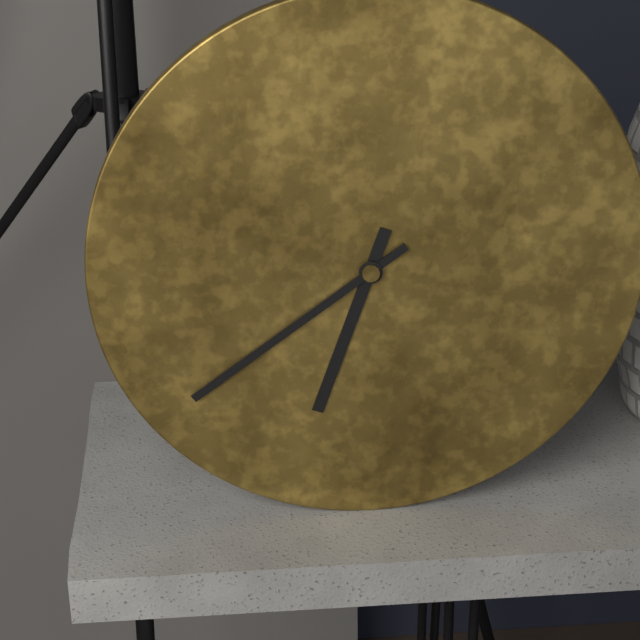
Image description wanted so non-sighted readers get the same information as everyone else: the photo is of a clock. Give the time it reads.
6:39
